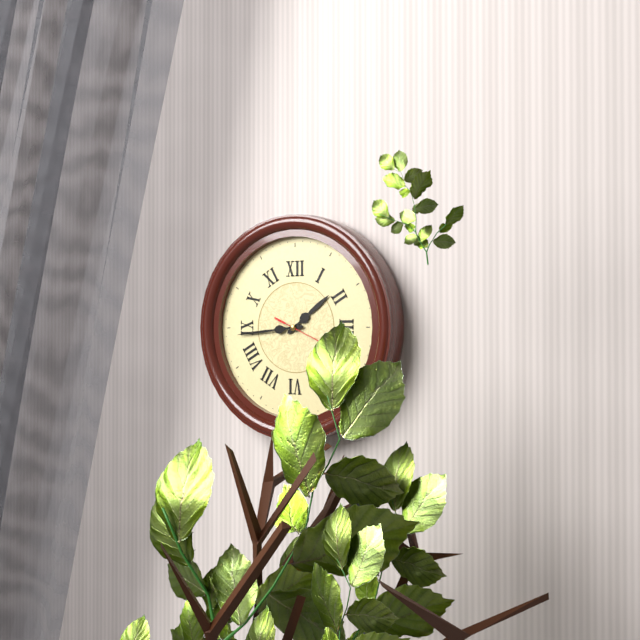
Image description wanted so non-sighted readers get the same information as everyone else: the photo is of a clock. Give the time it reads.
1:44:19
